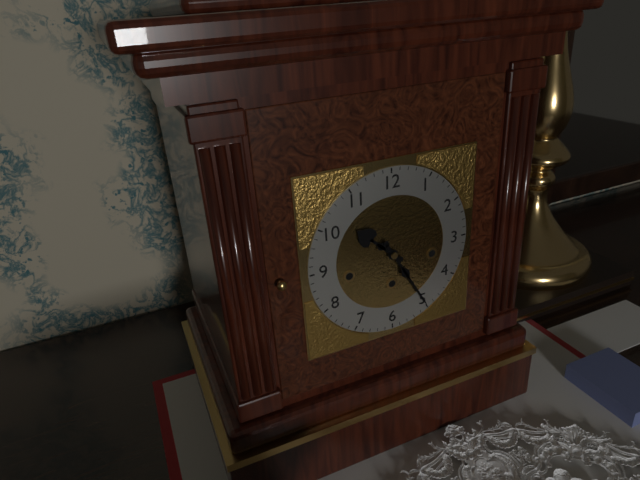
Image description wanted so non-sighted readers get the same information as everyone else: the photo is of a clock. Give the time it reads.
10:25
